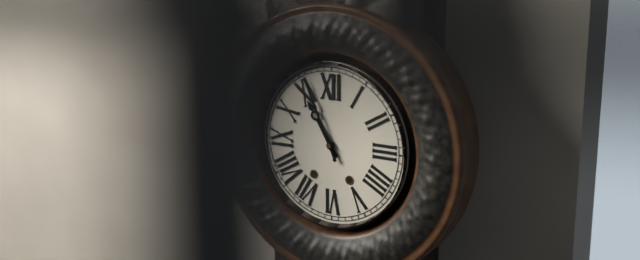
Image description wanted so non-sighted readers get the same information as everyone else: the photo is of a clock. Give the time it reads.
10:56
